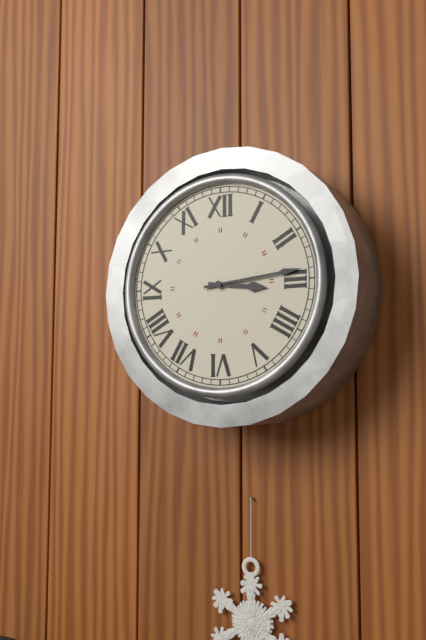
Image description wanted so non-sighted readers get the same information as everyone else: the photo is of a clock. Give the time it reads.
3:14
